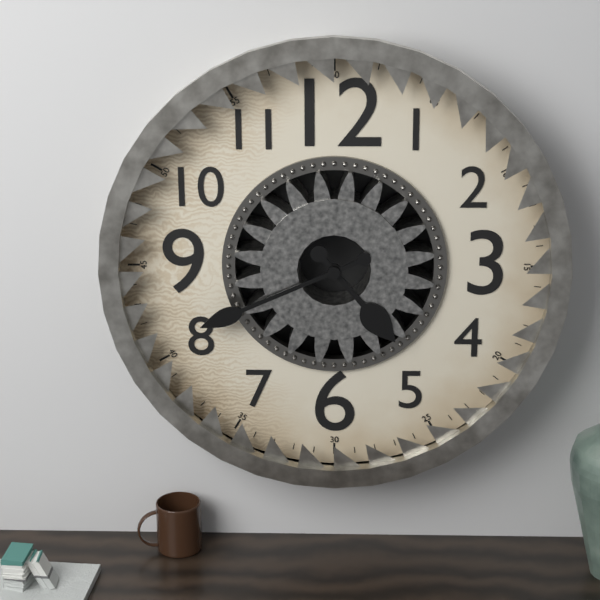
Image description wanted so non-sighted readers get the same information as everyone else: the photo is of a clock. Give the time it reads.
4:41
